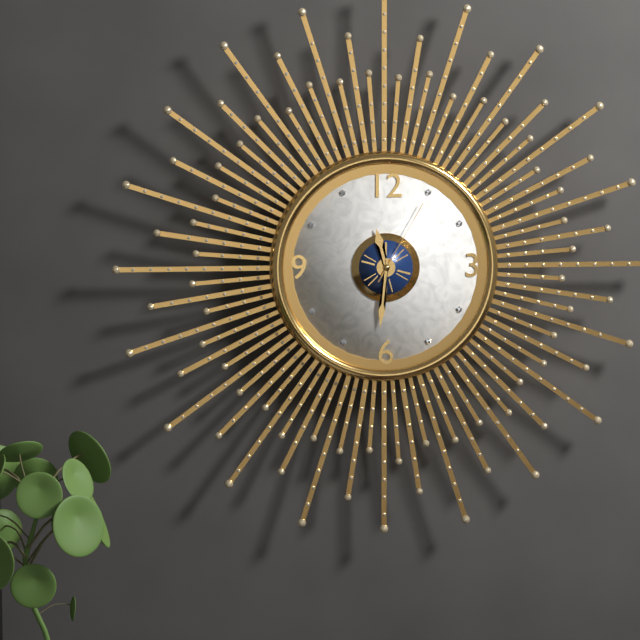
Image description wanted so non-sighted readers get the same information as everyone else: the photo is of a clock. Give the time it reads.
11:31:05
